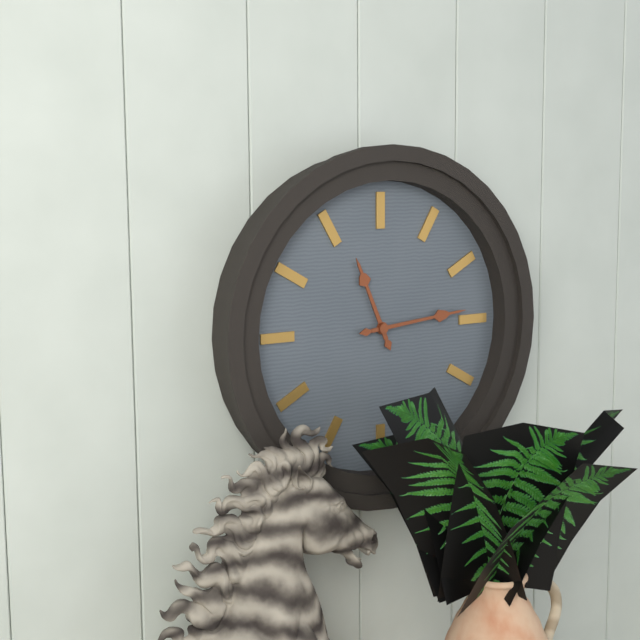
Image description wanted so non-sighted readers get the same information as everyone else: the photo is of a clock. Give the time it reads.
11:14
